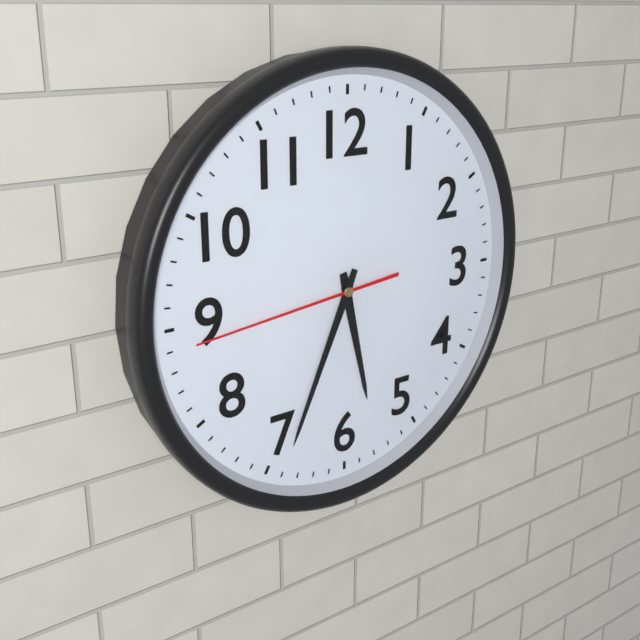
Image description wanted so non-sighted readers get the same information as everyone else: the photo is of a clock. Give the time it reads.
5:34:44
